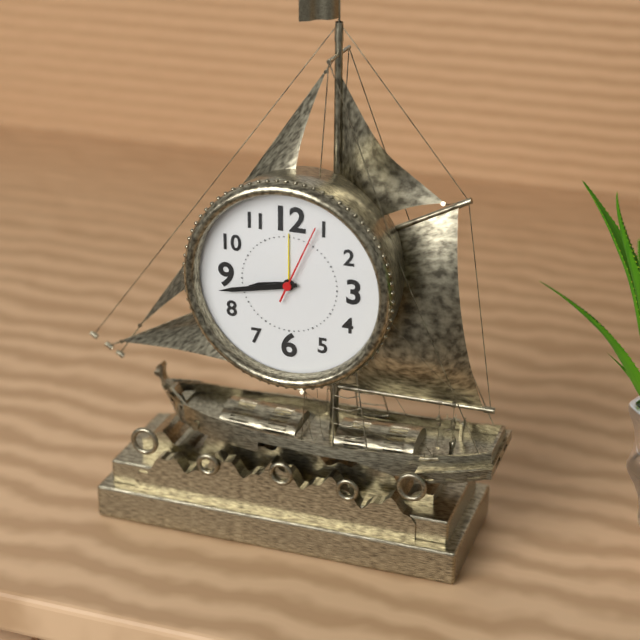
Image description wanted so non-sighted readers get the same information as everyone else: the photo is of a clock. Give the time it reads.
8:43:04
